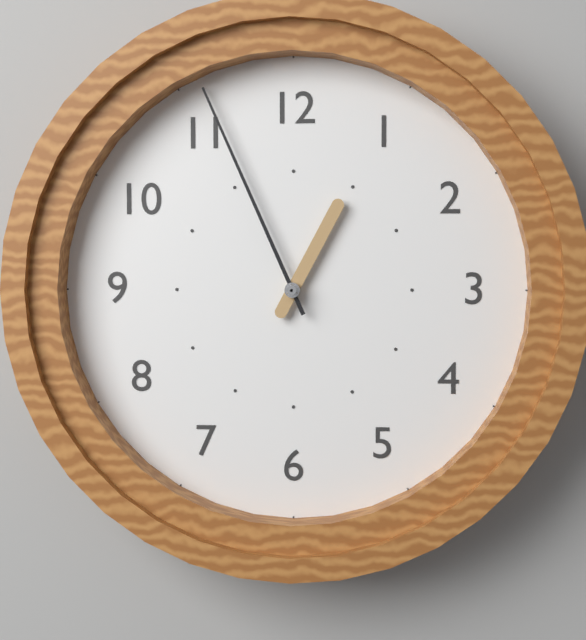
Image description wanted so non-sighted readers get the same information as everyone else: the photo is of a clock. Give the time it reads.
12:56
